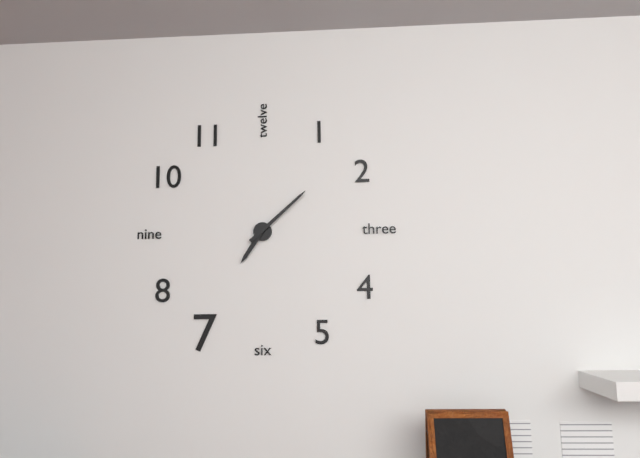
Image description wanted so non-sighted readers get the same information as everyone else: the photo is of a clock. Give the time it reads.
7:08
